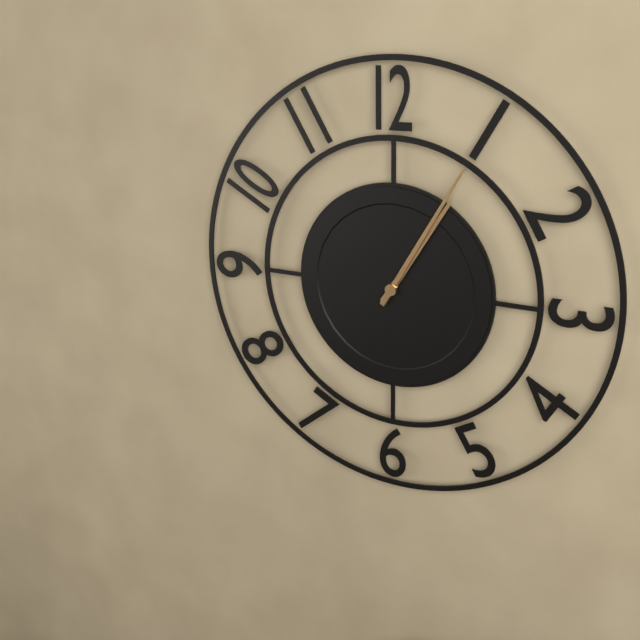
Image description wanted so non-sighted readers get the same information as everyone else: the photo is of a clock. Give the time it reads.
1:05
